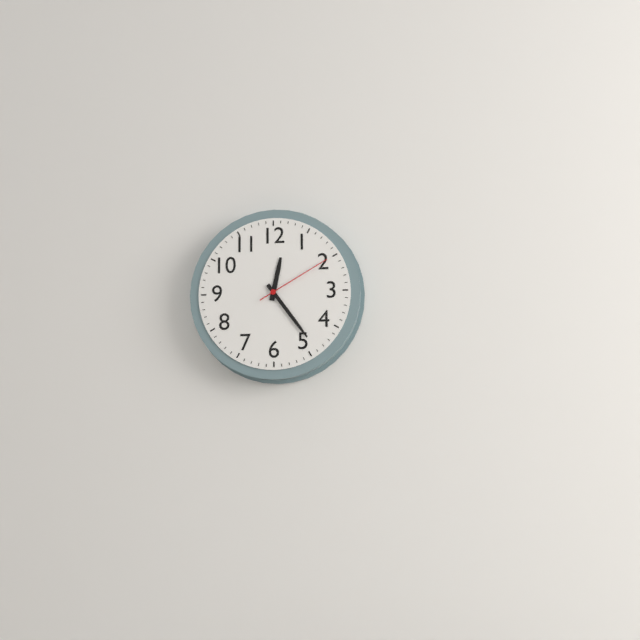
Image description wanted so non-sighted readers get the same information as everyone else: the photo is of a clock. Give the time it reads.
12:24:10
